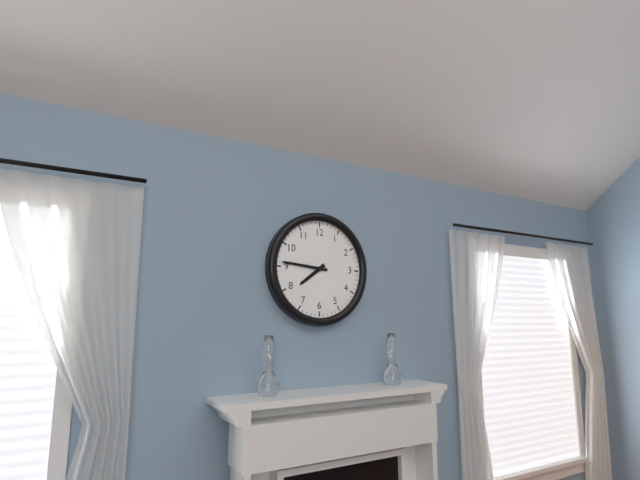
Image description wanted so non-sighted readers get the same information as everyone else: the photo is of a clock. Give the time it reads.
7:46
